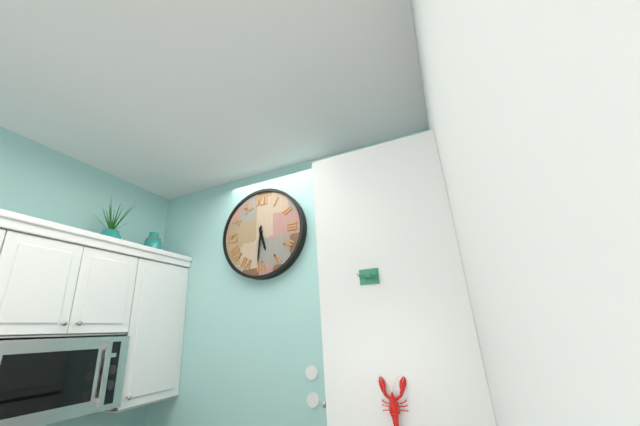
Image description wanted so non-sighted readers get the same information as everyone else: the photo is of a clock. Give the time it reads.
5:31
